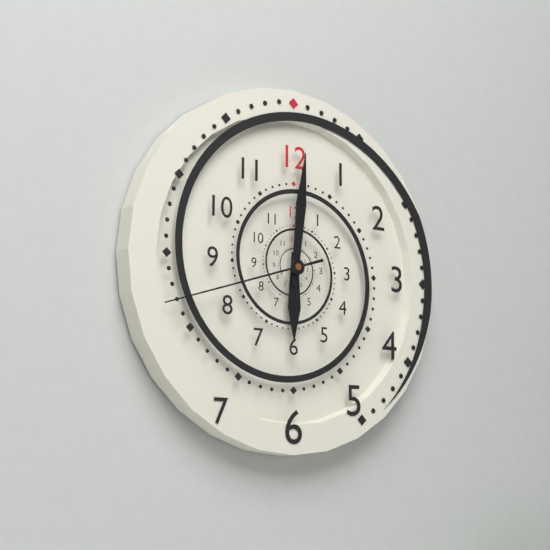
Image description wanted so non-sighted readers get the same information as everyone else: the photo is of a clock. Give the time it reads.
6:01:42
